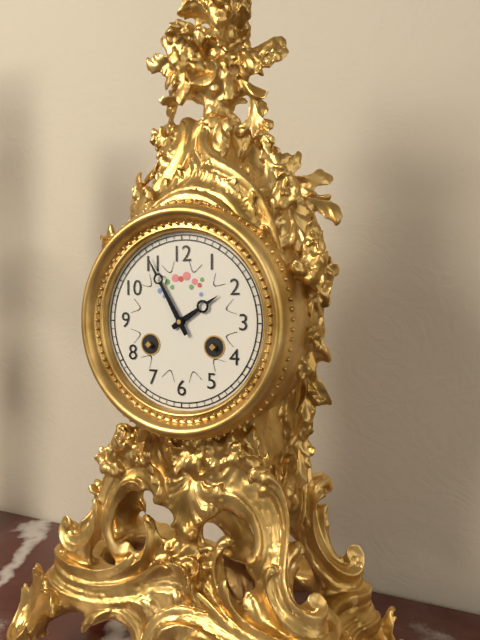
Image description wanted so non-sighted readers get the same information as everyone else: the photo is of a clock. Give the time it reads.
1:55
